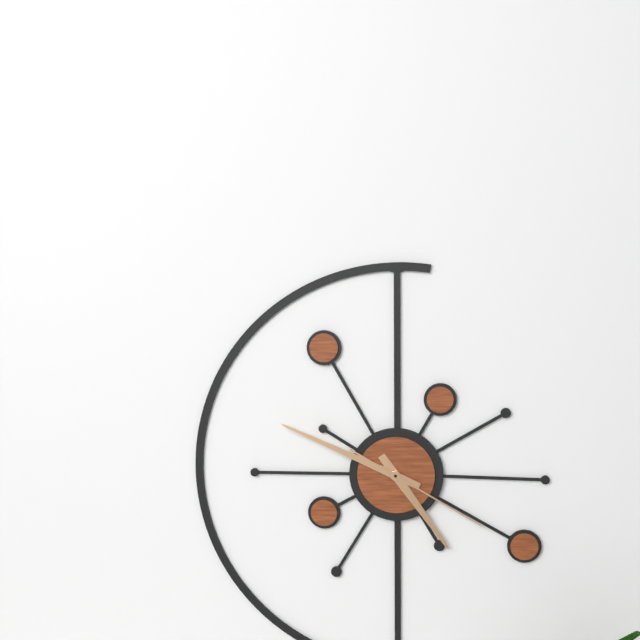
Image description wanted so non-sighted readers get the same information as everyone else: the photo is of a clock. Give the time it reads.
4:49:20
